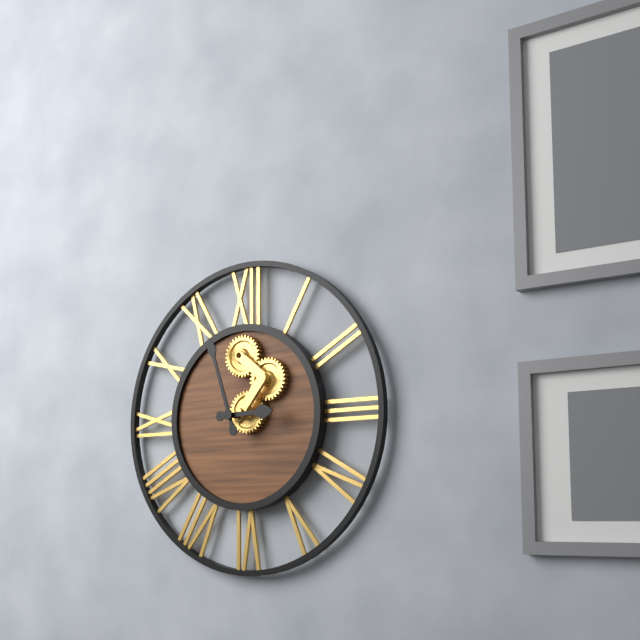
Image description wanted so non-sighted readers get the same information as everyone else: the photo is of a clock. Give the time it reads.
2:57
